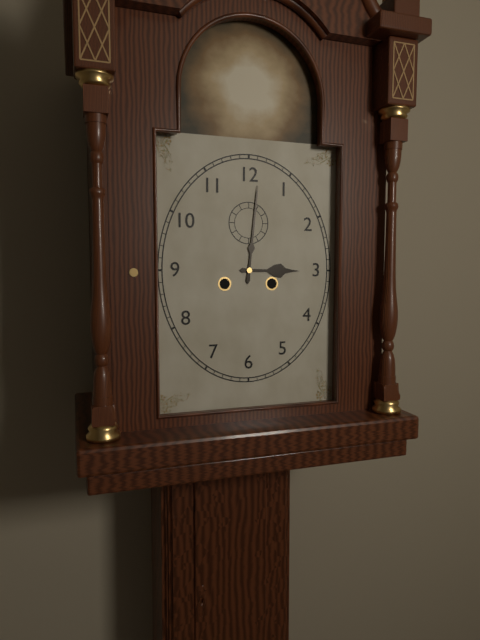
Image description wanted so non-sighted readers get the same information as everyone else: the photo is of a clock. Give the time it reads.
3:01
